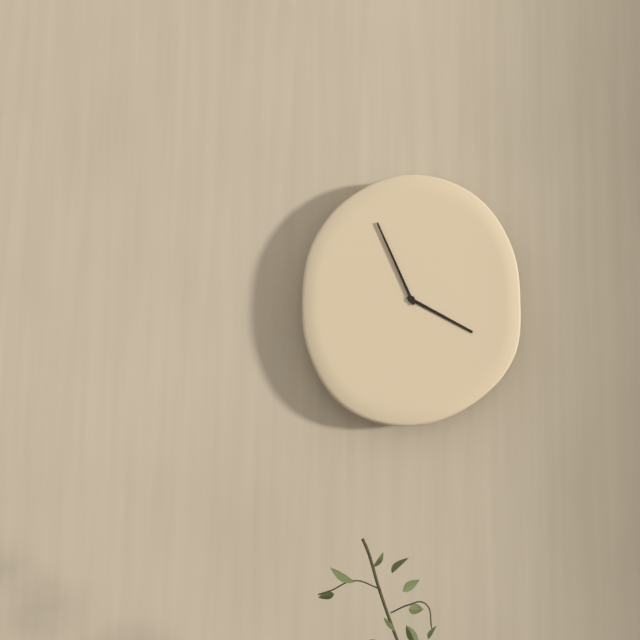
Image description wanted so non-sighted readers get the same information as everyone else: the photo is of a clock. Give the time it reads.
3:56
